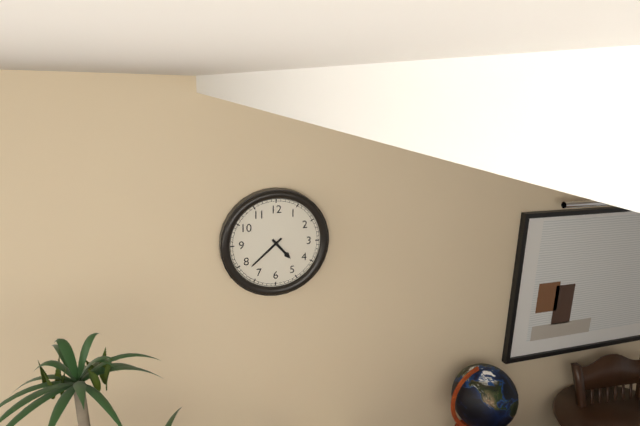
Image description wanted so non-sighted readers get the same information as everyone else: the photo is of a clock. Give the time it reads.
4:38
